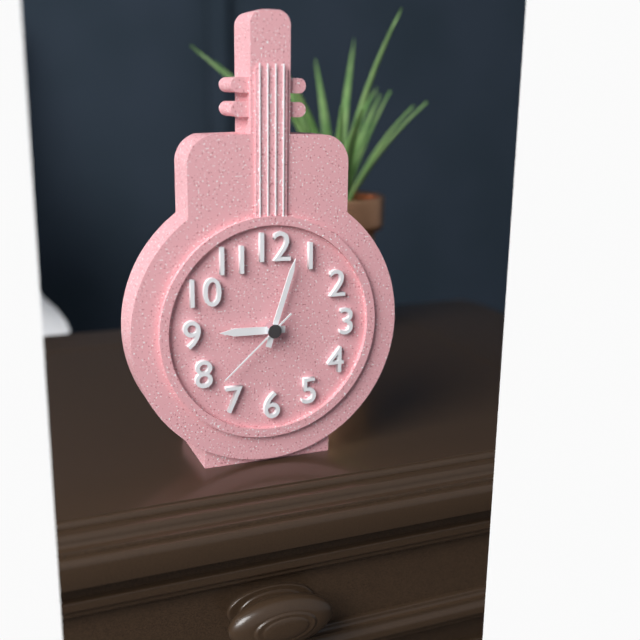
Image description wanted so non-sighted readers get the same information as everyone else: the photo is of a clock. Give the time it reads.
9:03:38
